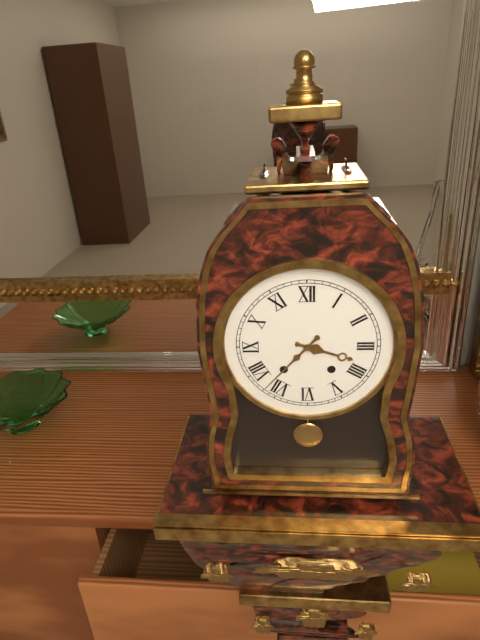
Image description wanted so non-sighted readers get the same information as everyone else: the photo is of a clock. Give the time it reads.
3:37
